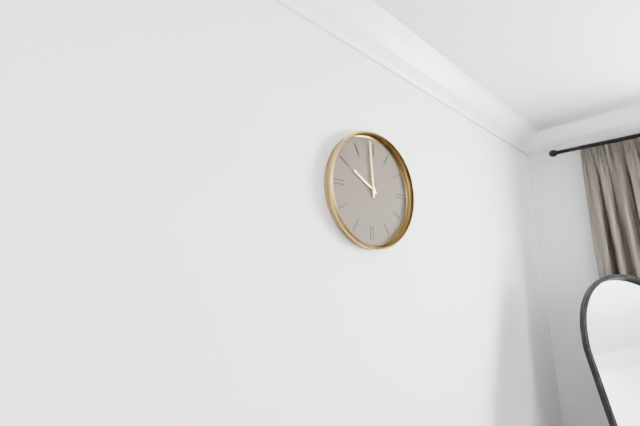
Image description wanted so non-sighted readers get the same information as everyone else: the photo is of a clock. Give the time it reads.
9:59
